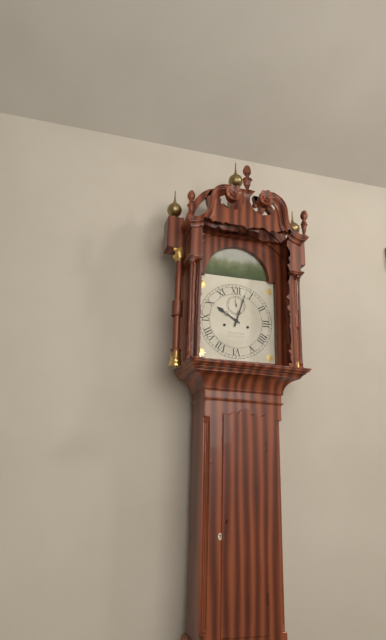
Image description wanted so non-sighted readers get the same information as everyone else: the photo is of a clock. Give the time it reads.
10:03
